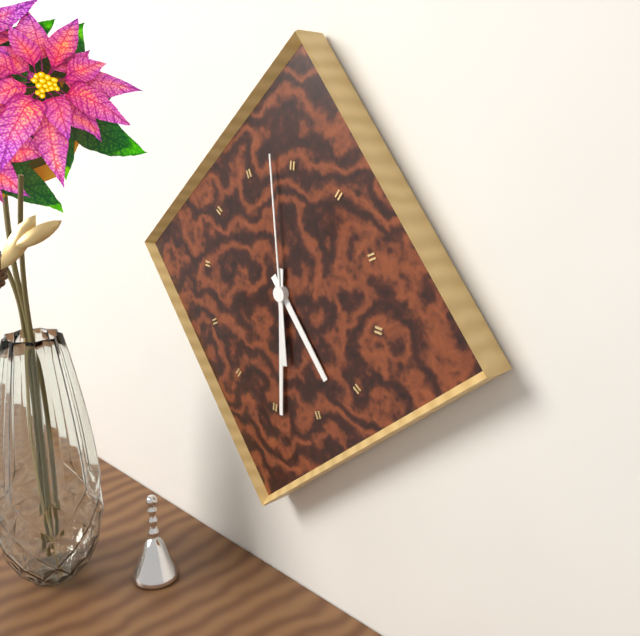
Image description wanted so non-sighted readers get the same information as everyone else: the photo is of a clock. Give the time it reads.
4:29:58
